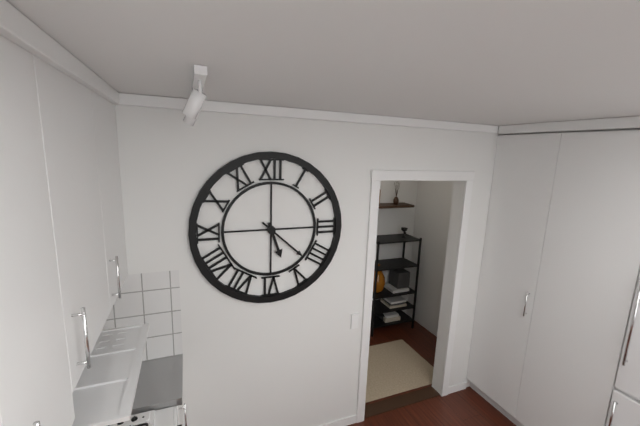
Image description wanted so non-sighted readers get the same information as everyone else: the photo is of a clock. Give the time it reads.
5:22
